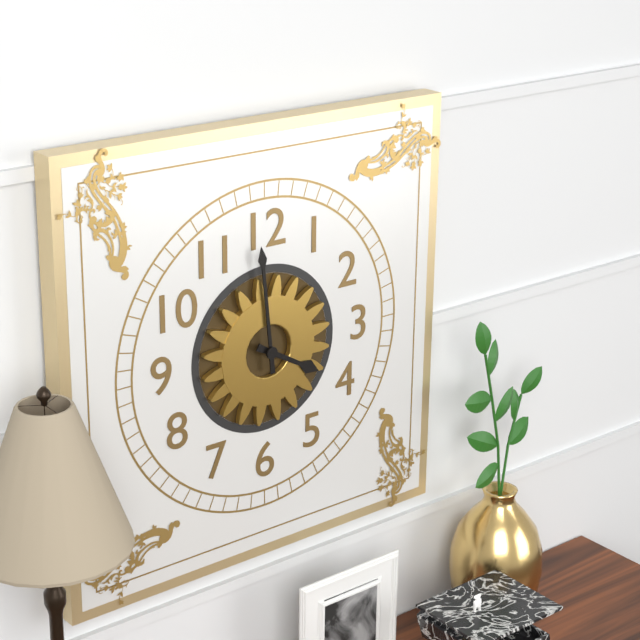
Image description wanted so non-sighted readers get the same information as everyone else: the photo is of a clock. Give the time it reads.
3:59
